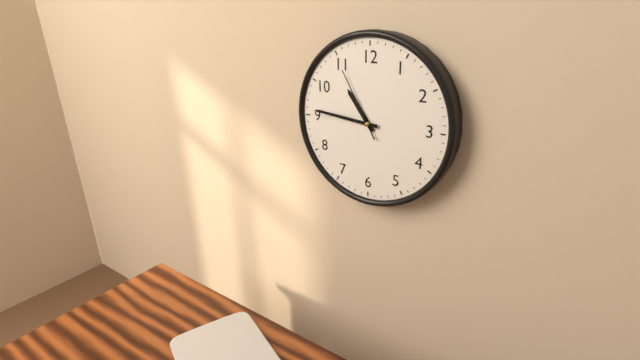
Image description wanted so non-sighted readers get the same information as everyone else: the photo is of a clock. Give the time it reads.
10:46:55
